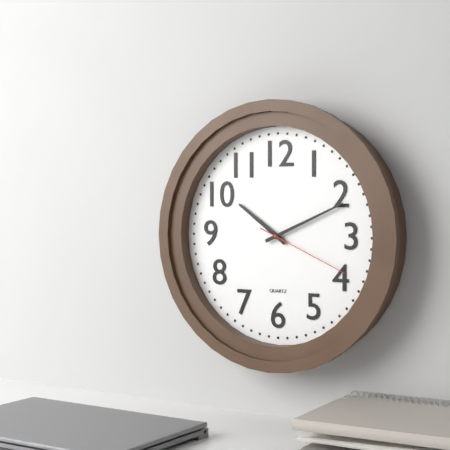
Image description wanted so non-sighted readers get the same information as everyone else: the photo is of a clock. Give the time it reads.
10:11:19
